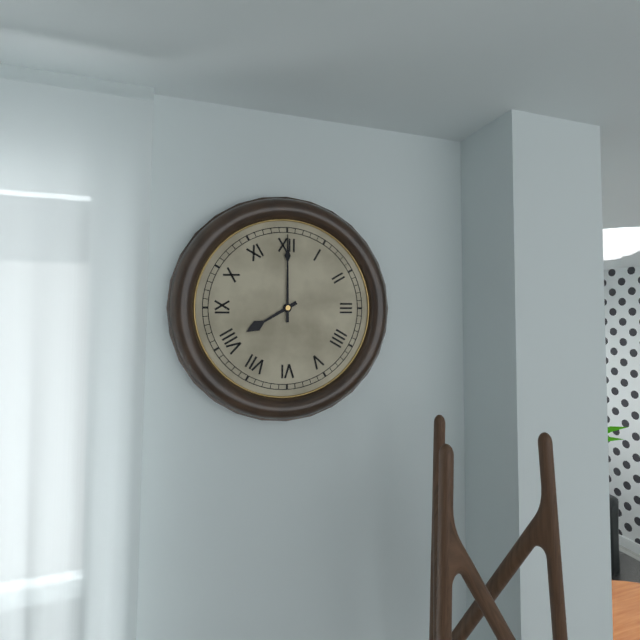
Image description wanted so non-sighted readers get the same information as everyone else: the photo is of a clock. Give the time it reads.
8:00
